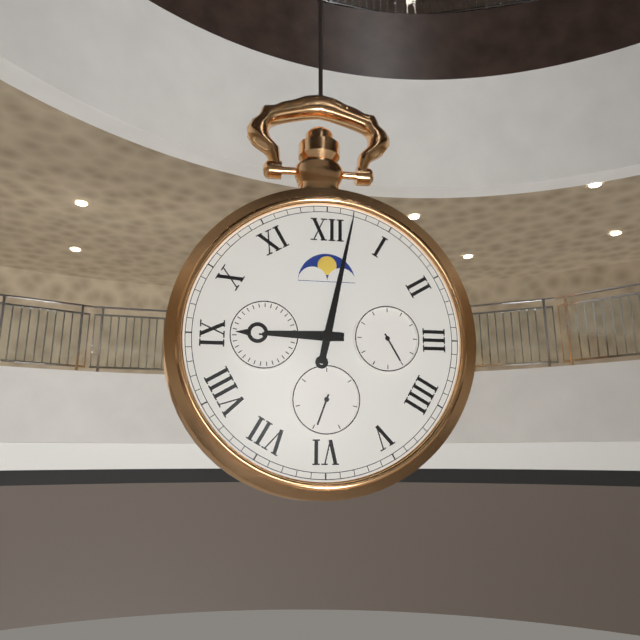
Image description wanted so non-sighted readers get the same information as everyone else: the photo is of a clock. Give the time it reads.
9:02
